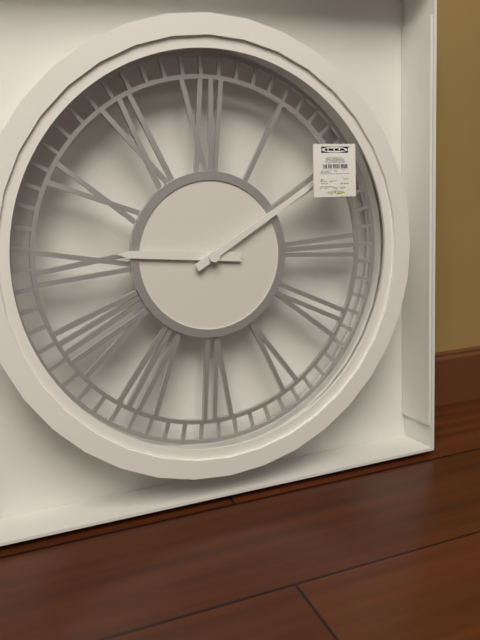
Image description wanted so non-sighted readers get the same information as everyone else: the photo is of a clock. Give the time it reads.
9:10
